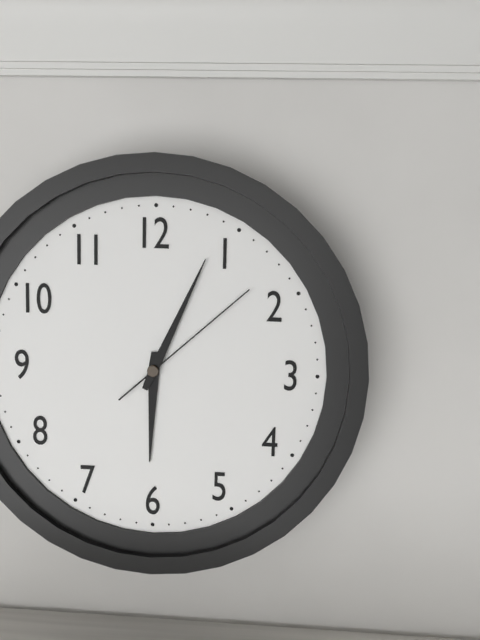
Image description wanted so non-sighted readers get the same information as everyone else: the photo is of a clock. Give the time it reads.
6:04:08
